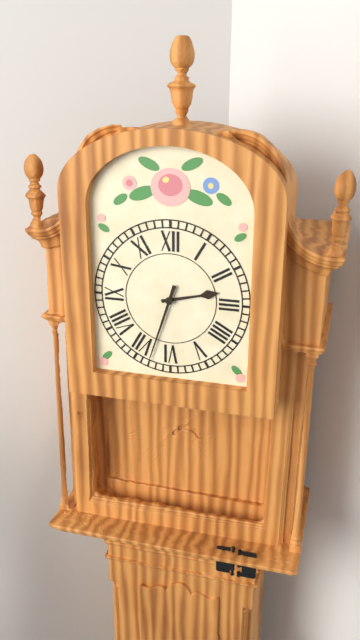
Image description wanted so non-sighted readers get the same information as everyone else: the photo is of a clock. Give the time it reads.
2:33
